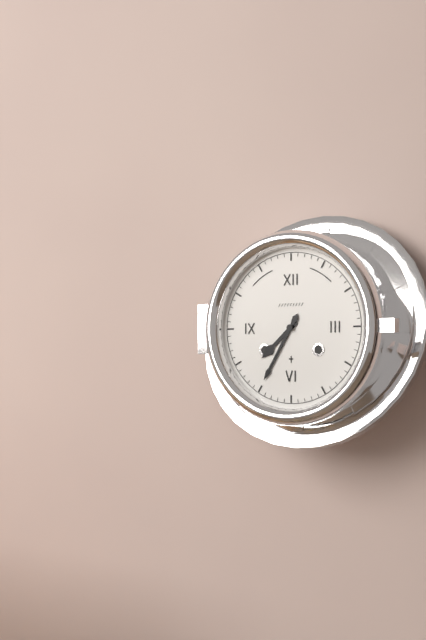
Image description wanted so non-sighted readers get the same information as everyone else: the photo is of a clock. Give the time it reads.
7:35
